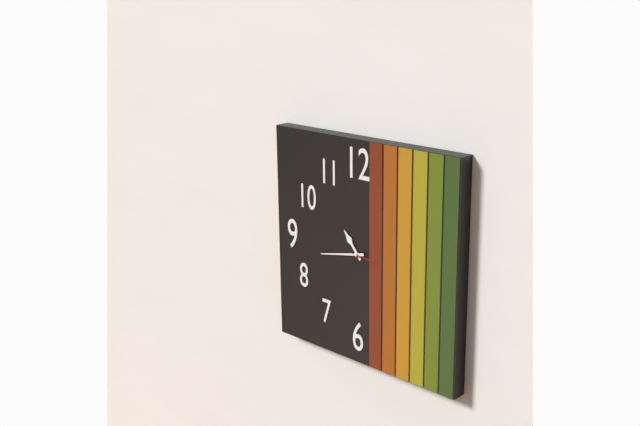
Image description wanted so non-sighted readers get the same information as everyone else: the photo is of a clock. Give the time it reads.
10:43
